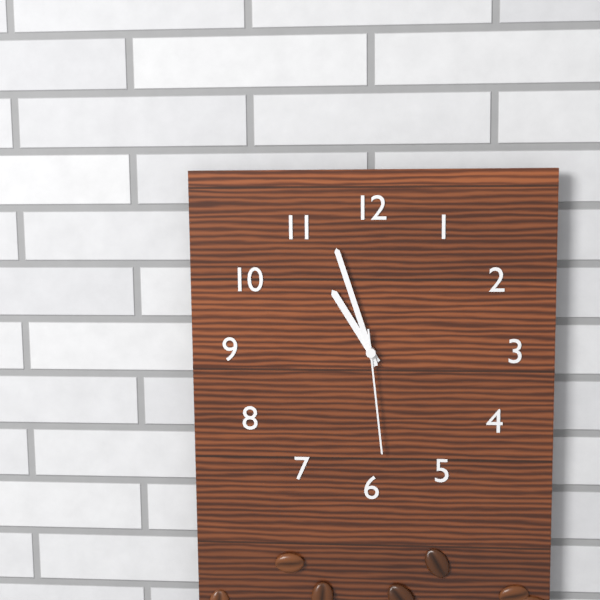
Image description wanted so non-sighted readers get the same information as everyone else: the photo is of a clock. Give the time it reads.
10:57:29
